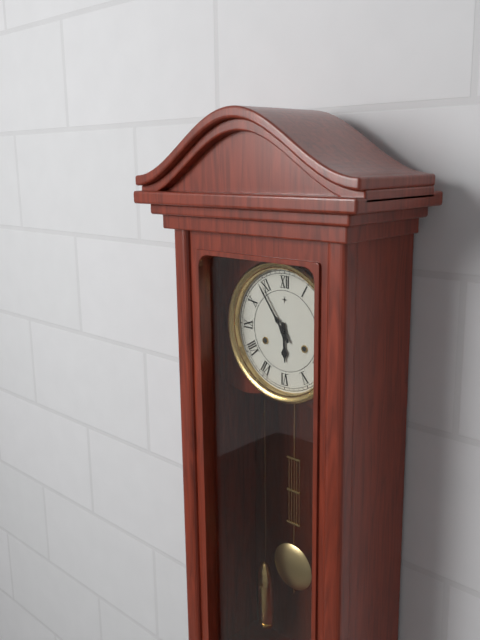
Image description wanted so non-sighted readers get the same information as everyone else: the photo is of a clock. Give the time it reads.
5:54
